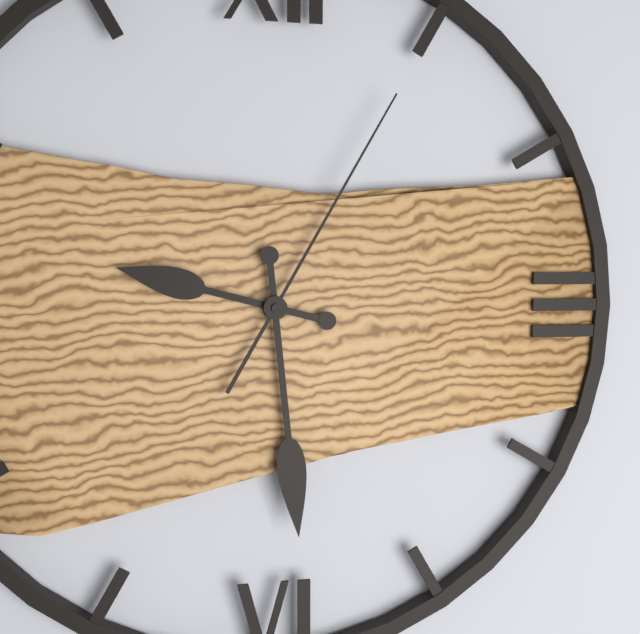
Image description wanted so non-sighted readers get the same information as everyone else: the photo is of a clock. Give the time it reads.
9:29:05
